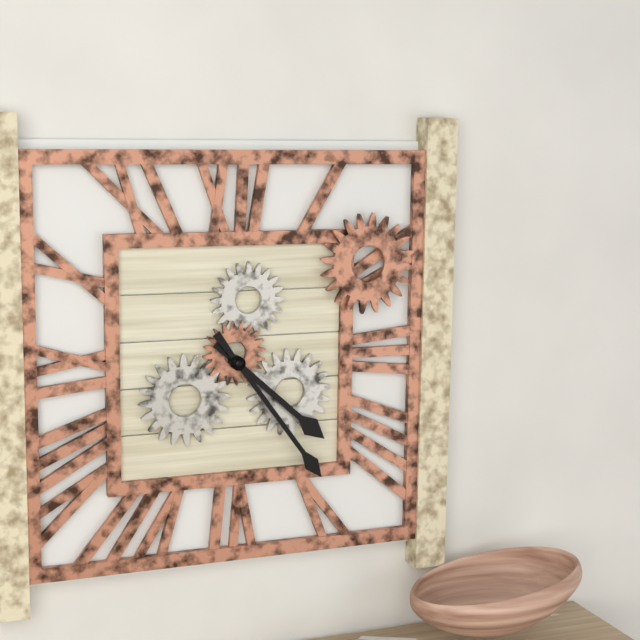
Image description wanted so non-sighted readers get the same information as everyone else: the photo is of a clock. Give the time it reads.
4:24
